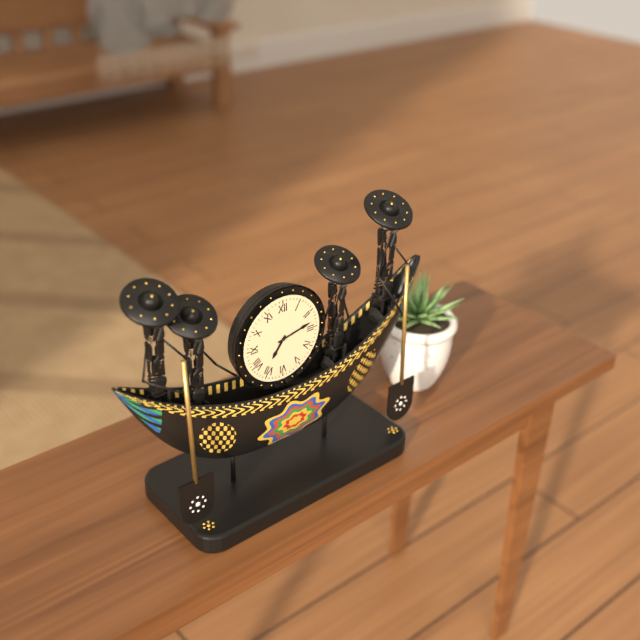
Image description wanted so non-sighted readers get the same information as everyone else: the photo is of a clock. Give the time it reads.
7:13
